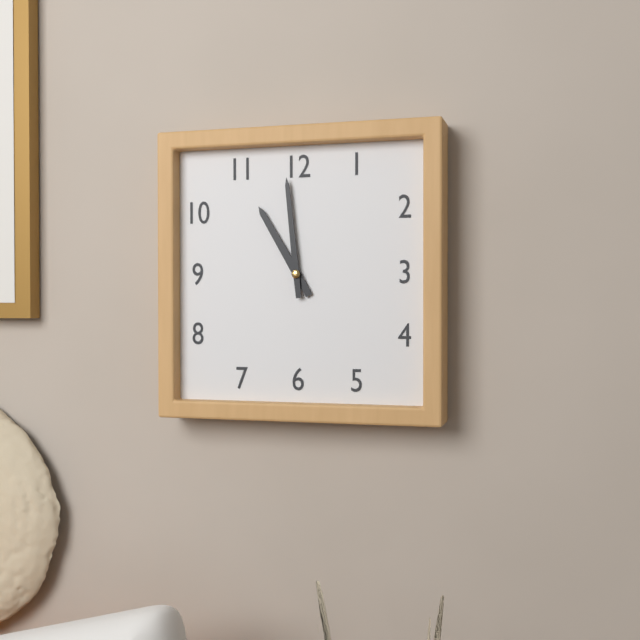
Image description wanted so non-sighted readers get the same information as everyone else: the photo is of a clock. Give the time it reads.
10:59
